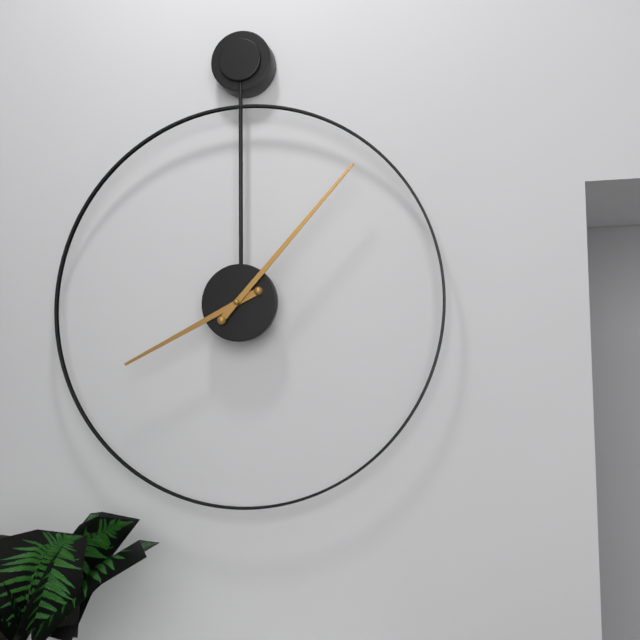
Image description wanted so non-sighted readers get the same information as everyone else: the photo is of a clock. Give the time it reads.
8:07
